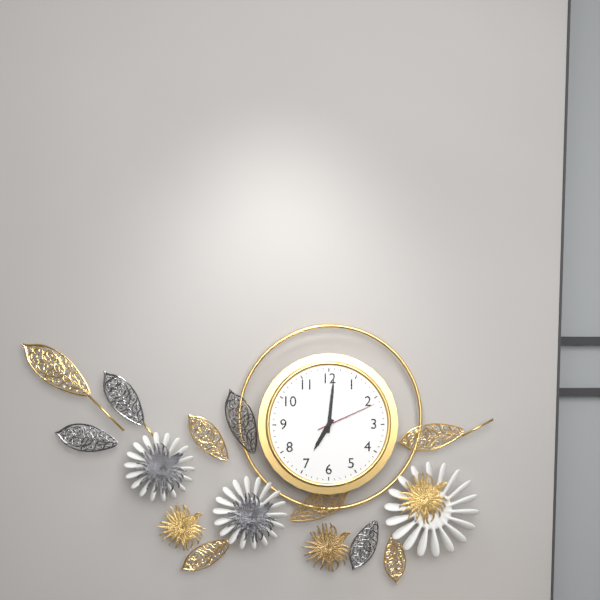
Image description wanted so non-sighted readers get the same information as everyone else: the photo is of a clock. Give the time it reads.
7:01:11
